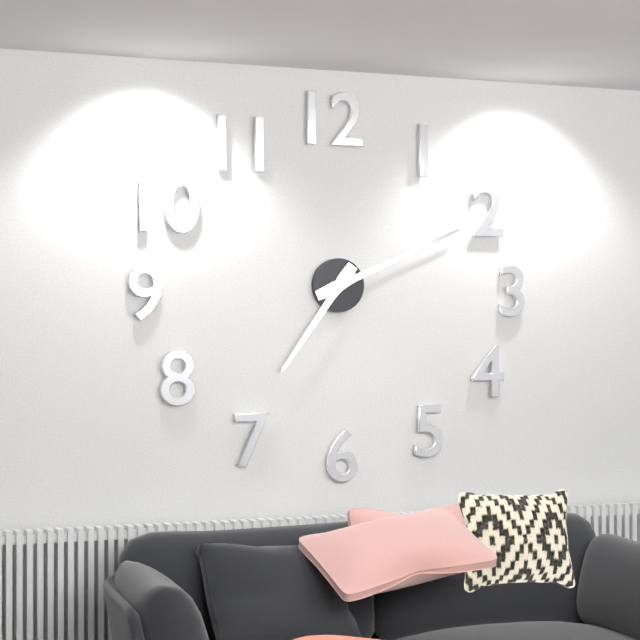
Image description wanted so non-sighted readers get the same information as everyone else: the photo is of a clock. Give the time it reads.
7:11
